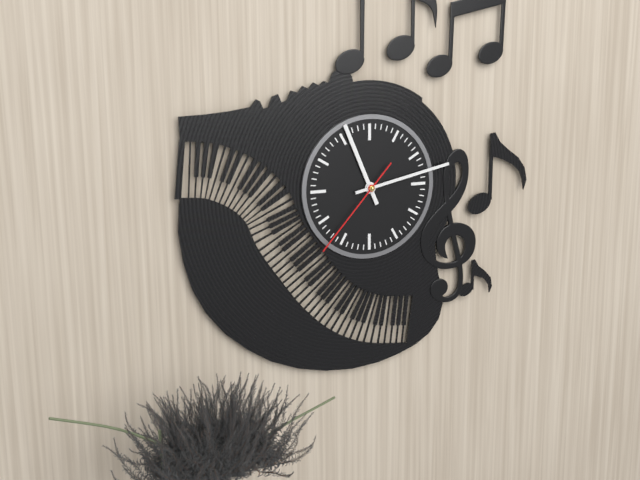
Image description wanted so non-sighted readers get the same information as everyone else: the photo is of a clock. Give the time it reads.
11:13:37
